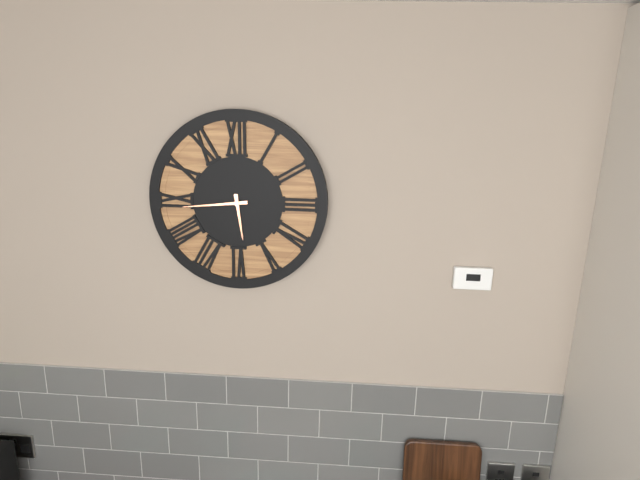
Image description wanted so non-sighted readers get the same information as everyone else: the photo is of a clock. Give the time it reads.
5:44
